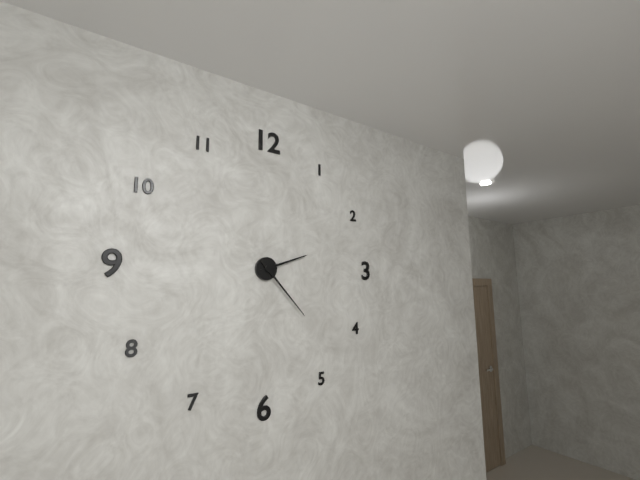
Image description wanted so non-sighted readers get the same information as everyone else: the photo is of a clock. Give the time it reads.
2:23
